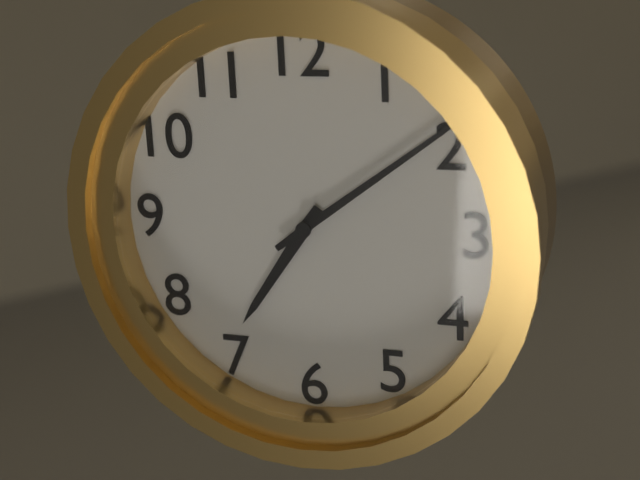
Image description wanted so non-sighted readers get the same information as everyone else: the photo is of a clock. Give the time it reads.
7:09
